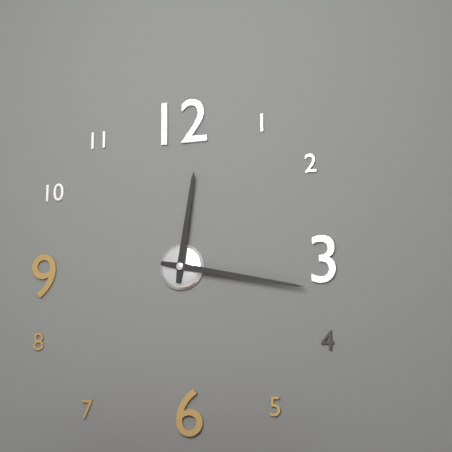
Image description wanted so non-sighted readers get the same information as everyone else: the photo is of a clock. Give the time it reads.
12:17
